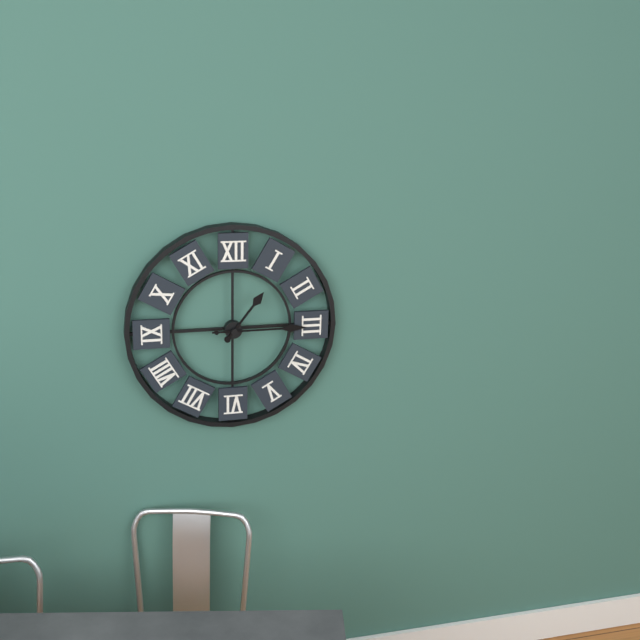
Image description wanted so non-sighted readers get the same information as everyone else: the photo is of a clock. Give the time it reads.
1:15
